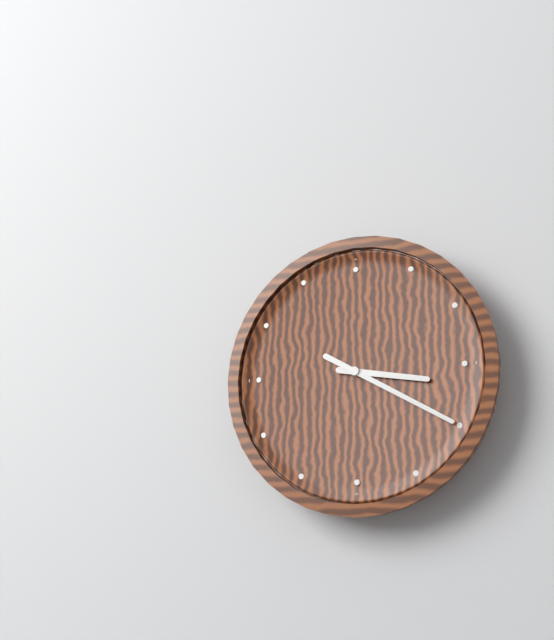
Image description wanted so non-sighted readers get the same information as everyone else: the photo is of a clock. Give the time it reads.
3:20
